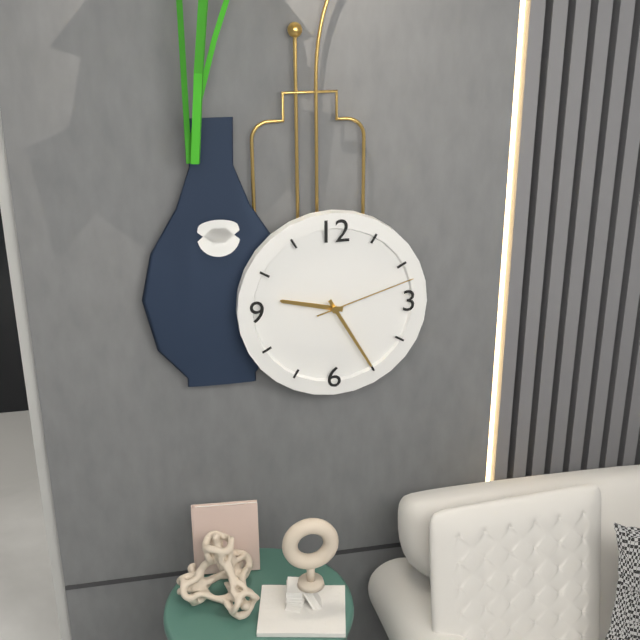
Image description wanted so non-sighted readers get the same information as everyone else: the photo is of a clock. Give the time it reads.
9:25:12
